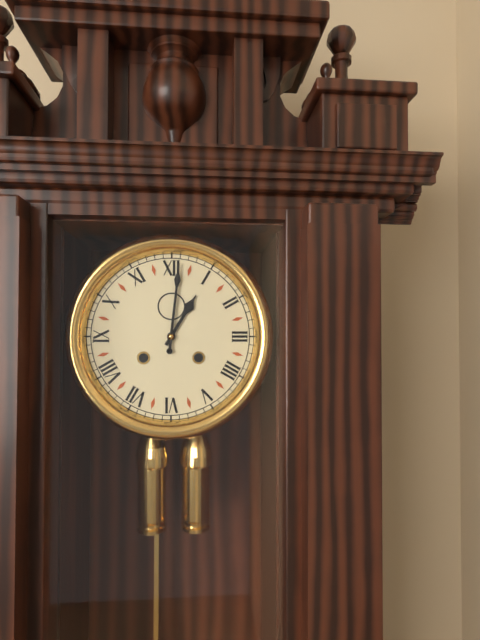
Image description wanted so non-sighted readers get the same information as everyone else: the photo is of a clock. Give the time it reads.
1:01
